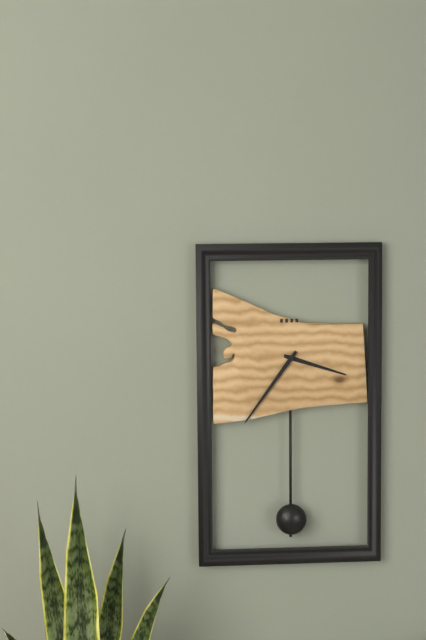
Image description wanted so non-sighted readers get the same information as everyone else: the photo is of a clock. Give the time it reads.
3:36
